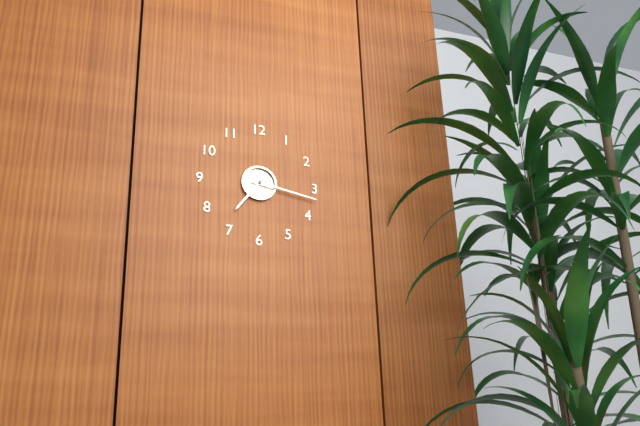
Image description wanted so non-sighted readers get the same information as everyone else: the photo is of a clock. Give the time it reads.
7:17
